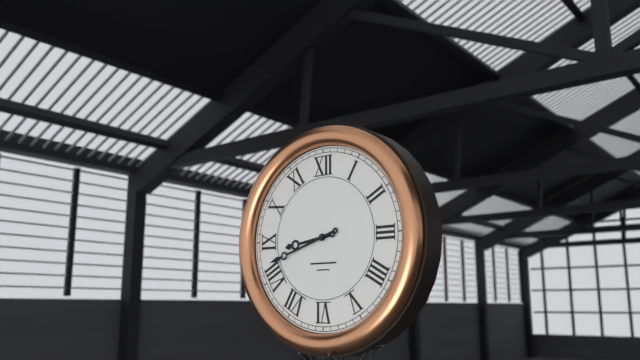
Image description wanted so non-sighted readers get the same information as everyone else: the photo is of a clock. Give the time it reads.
8:42
